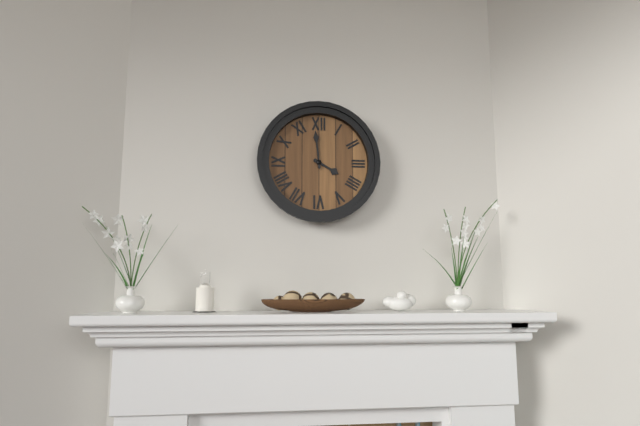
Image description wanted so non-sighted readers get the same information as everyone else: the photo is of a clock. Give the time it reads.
3:59
